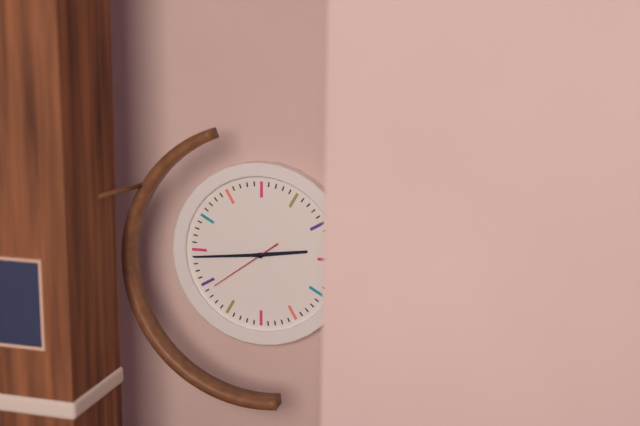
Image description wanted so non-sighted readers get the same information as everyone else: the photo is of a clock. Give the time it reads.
2:44:39
